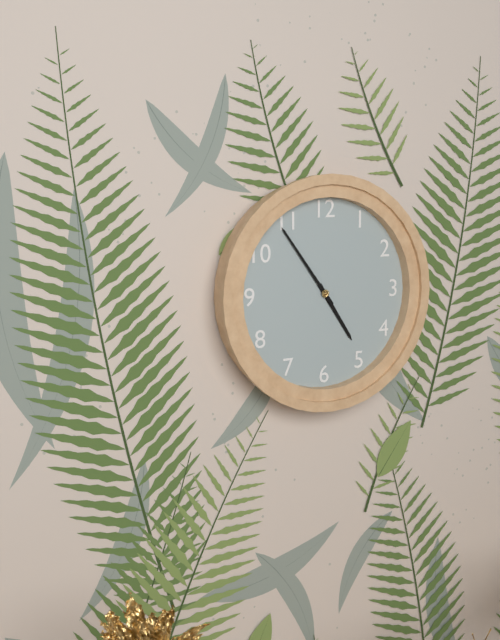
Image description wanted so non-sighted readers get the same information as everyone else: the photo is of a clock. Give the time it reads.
4:54
